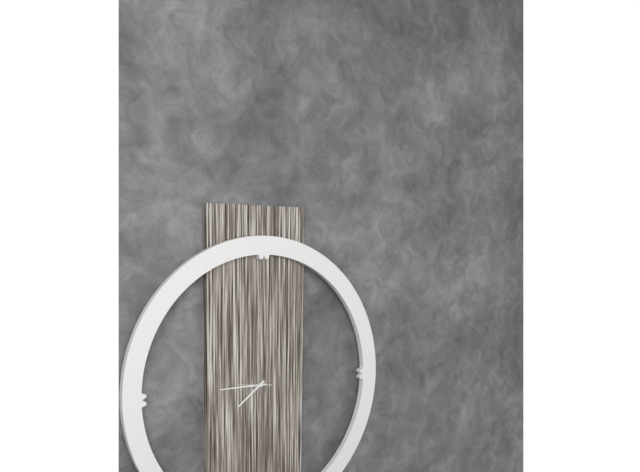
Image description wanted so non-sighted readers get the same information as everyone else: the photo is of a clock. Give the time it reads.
7:45
